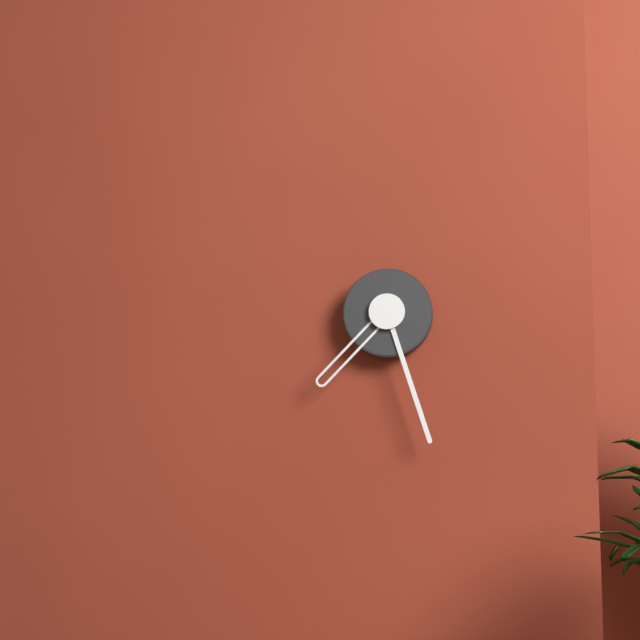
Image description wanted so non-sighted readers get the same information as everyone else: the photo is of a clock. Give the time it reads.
7:27
